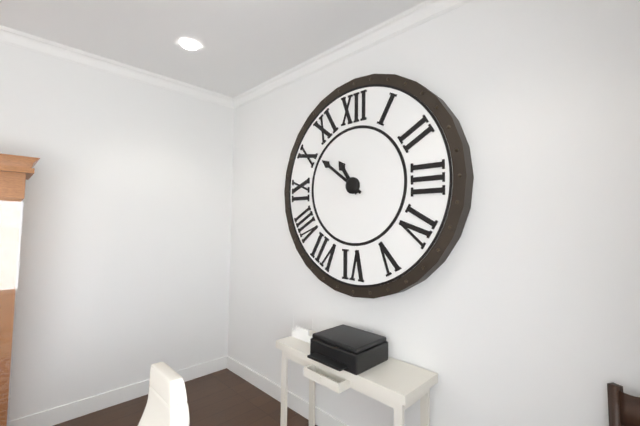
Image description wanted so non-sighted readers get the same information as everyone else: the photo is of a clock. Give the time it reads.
10:51
